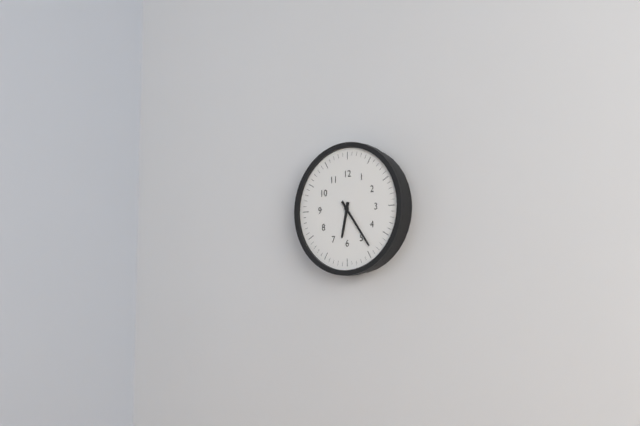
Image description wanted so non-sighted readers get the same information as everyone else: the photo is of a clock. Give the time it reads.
6:24
